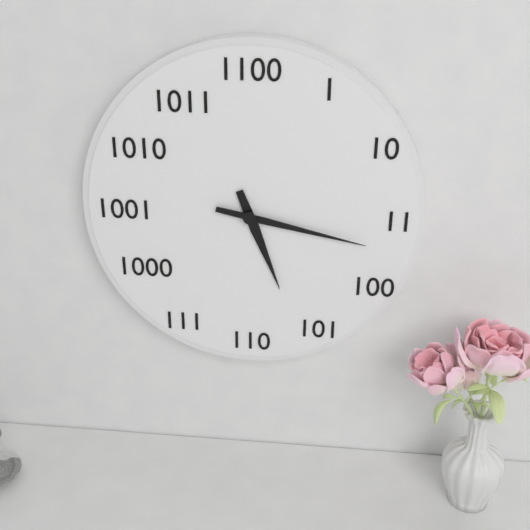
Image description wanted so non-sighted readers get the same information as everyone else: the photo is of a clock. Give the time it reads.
5:17
